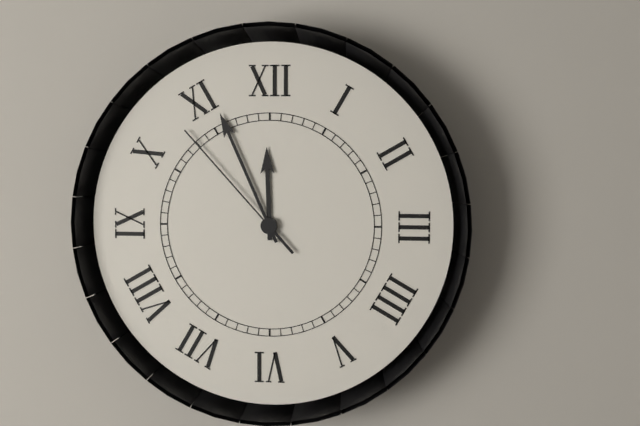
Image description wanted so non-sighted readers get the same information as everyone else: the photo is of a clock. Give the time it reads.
11:56:53
